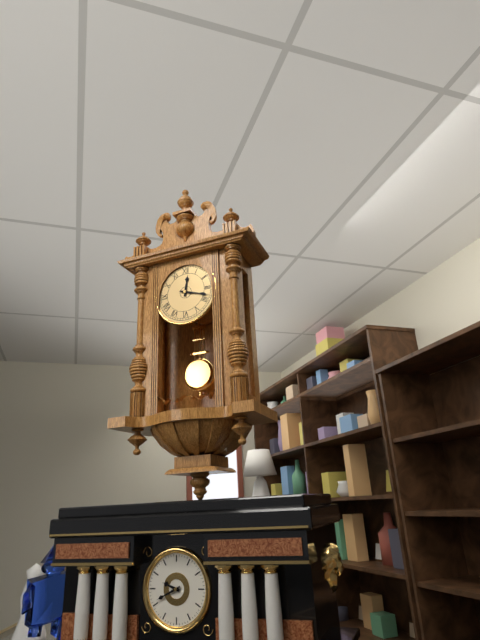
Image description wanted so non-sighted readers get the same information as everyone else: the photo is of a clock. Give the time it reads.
12:18
